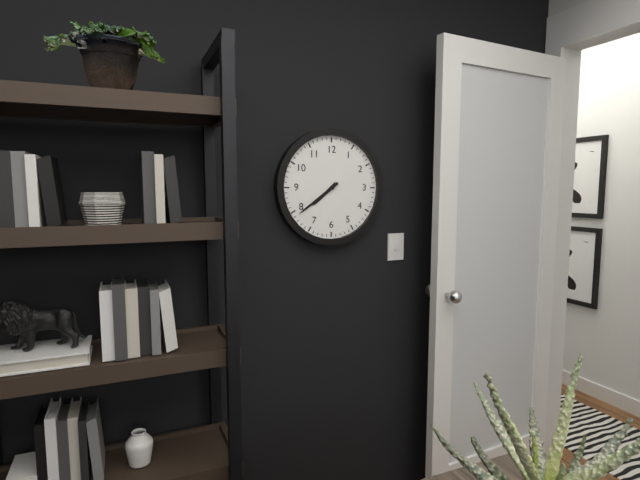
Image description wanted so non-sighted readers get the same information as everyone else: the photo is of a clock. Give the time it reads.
7:39
